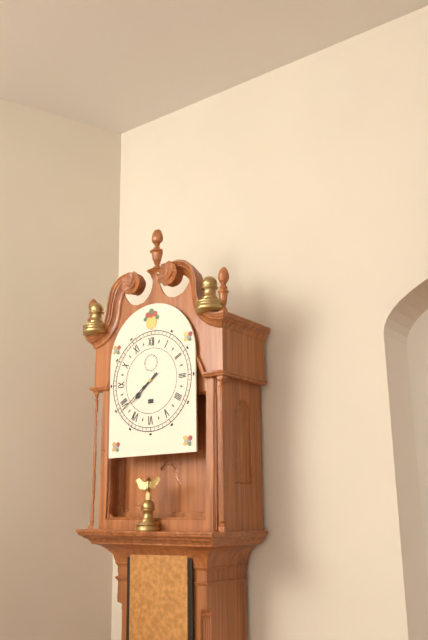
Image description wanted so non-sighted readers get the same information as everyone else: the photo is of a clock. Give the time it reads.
7:39
